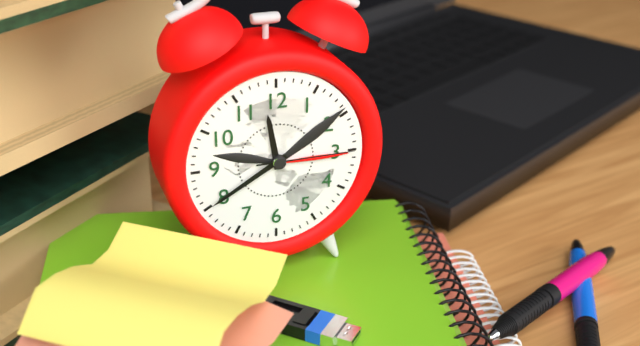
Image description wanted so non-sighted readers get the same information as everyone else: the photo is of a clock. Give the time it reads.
11:40:15
